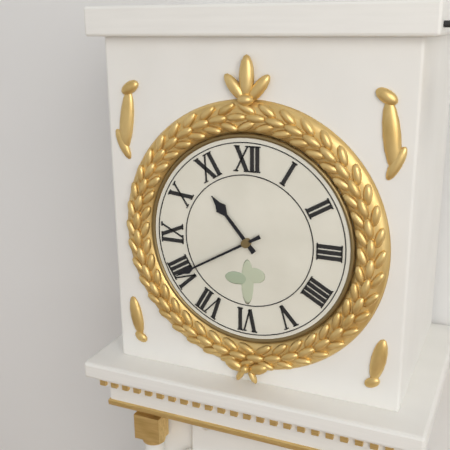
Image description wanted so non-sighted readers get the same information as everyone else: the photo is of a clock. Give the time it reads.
10:40
